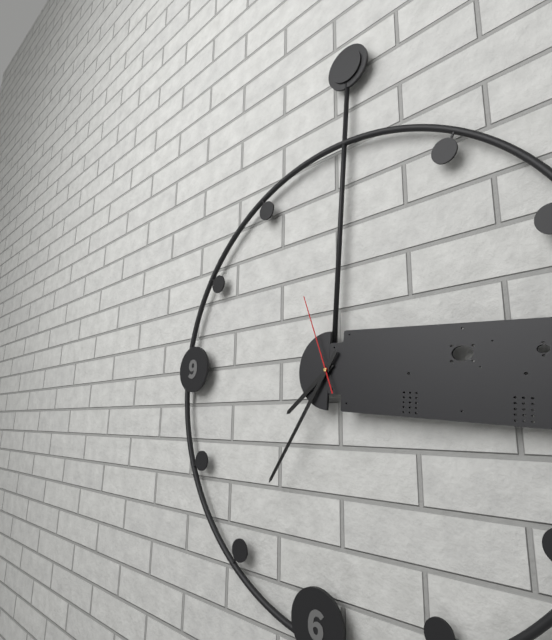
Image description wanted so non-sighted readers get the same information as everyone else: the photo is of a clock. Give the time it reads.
7:35:56
